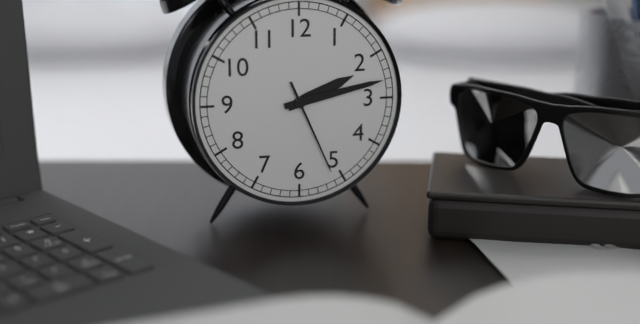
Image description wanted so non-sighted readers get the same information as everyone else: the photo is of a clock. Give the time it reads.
2:13:26
